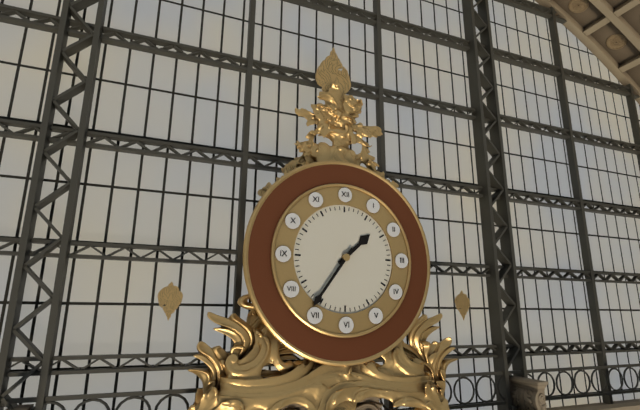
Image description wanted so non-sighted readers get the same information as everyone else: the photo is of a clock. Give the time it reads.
1:36
